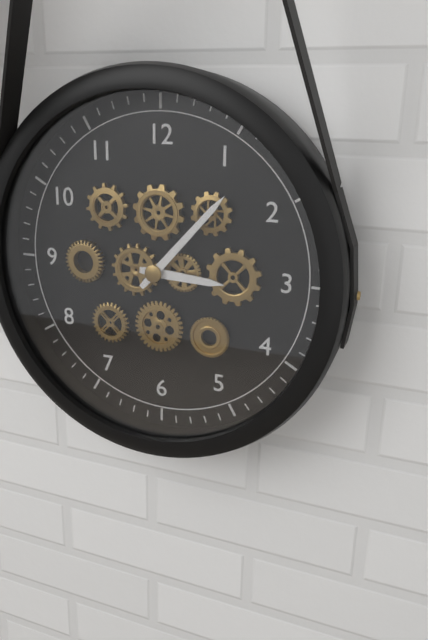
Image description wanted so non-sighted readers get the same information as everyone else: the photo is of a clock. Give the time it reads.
3:07
